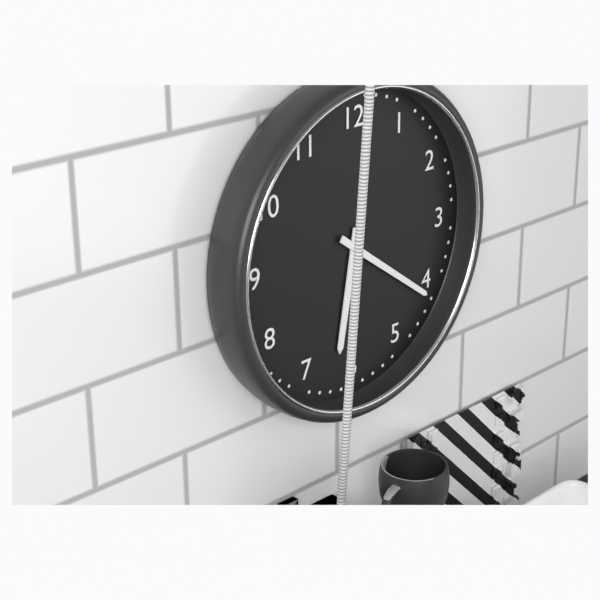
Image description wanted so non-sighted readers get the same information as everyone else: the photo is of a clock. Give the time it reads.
6:21
